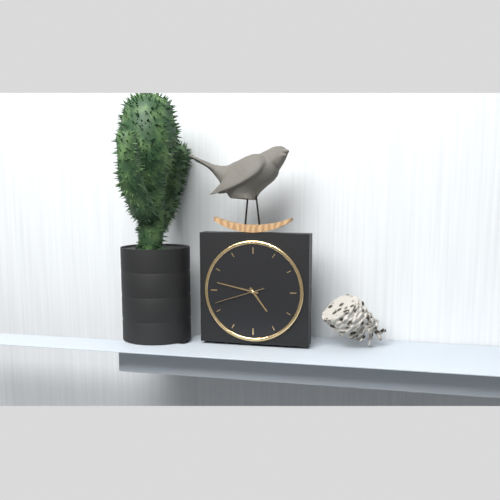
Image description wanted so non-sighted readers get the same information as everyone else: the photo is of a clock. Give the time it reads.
4:47
